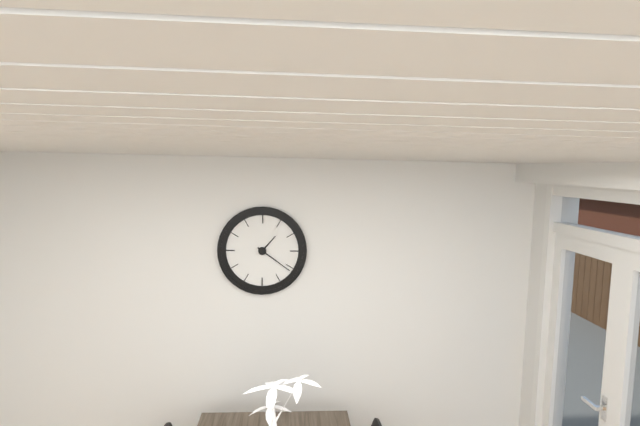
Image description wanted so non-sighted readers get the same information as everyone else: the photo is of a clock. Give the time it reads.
1:21
